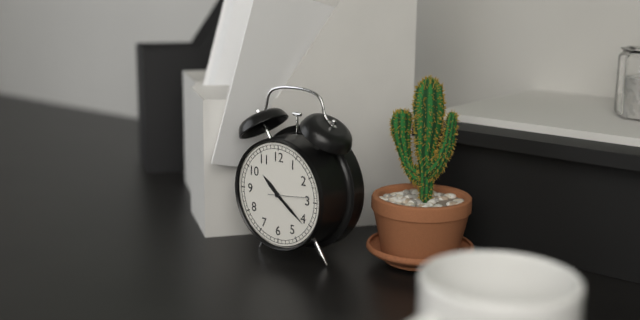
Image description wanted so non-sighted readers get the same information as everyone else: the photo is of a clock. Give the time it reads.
10:21
